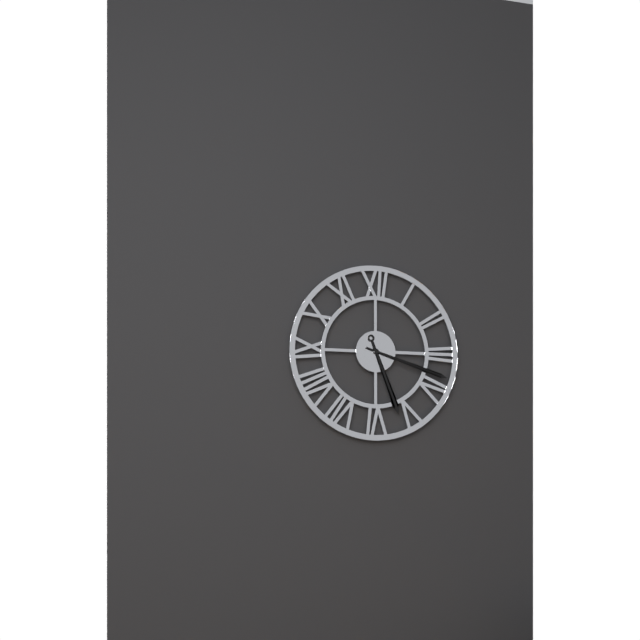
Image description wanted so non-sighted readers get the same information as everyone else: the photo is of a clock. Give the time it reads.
5:18
